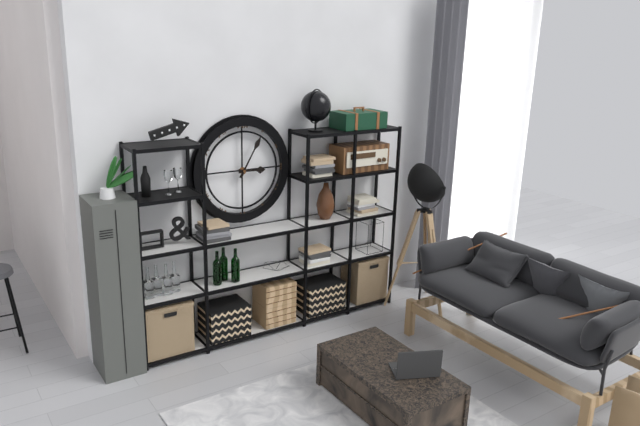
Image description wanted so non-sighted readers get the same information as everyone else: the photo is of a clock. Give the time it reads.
3:05
